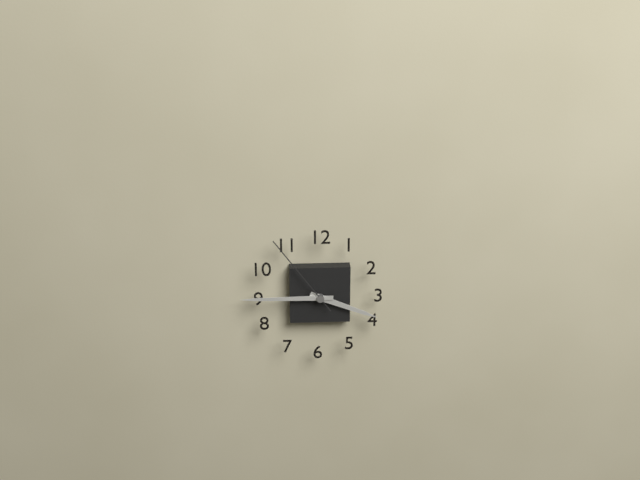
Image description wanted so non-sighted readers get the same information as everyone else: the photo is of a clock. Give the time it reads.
3:45:54
